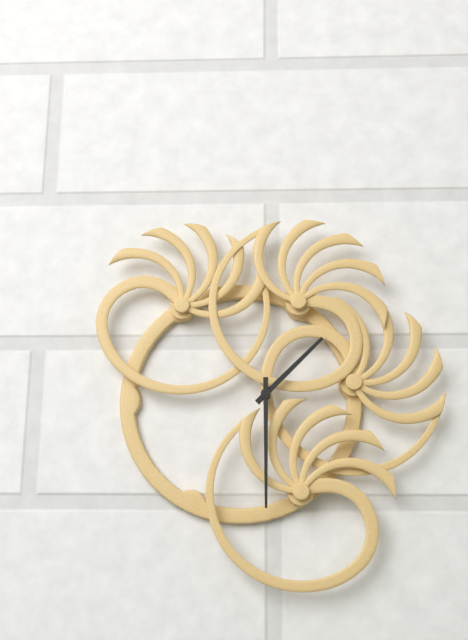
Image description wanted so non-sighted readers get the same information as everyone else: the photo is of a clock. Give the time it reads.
1:30
